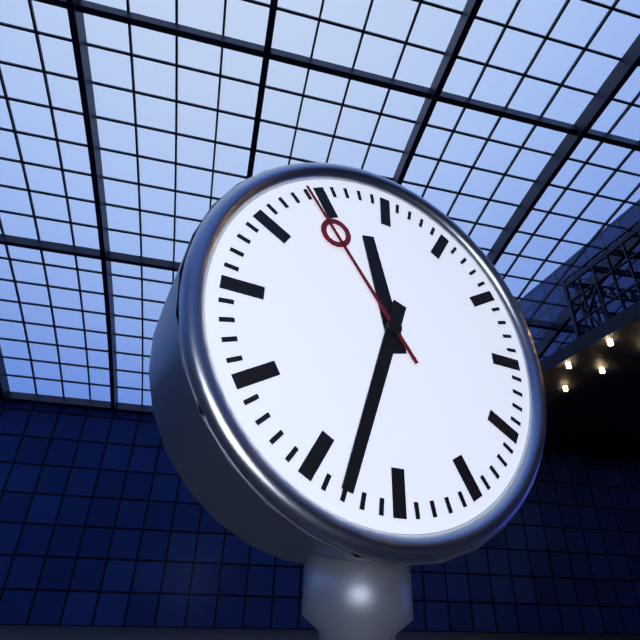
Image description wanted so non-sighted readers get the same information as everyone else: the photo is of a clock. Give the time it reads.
11:33:54
